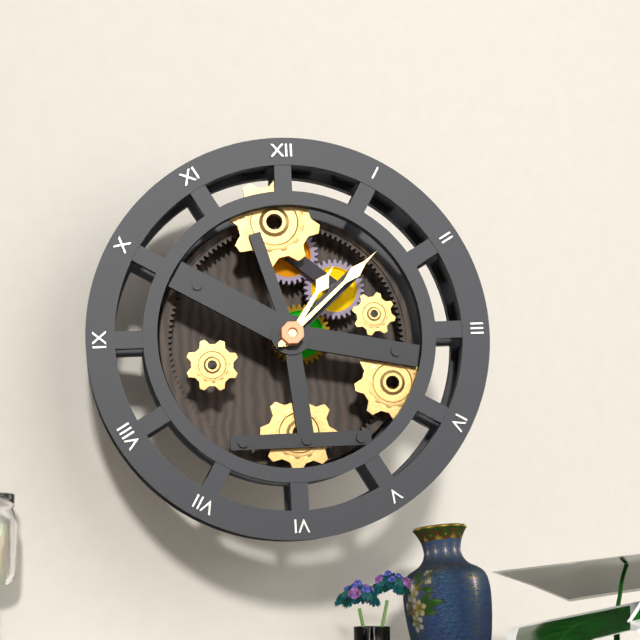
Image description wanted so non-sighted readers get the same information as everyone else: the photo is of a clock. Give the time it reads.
1:08
